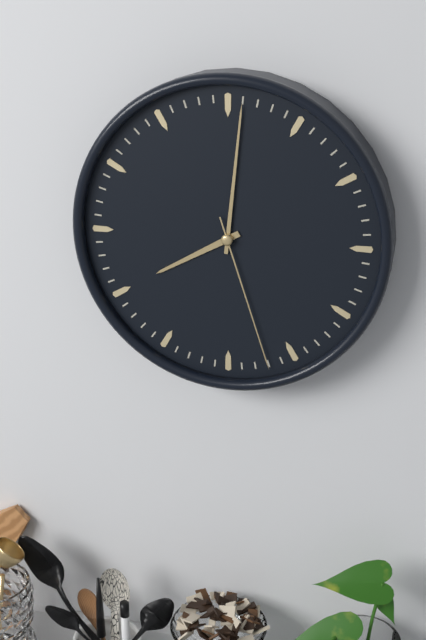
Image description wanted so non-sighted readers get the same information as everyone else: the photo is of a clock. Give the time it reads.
8:01:27
